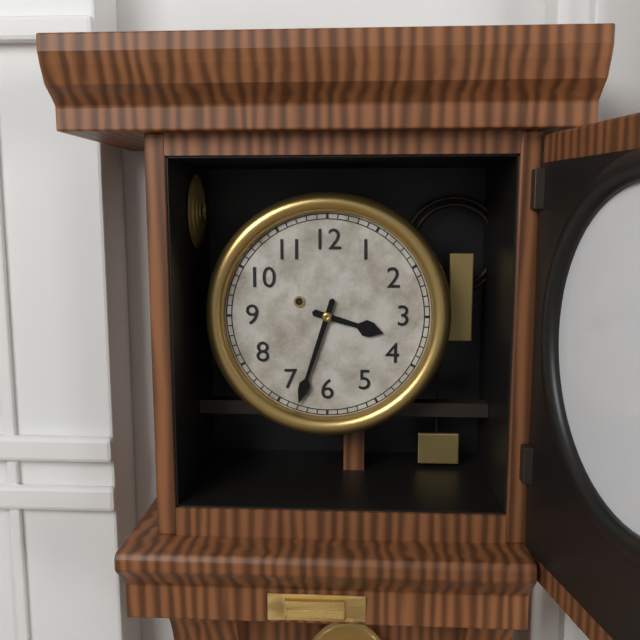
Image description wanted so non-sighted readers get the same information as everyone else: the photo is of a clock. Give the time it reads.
3:33
